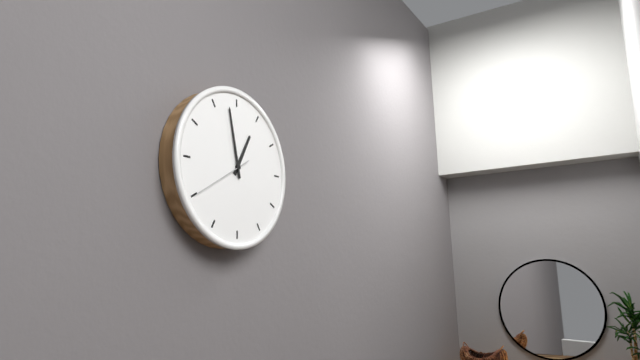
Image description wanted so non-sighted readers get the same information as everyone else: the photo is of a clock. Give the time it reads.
12:58:40
